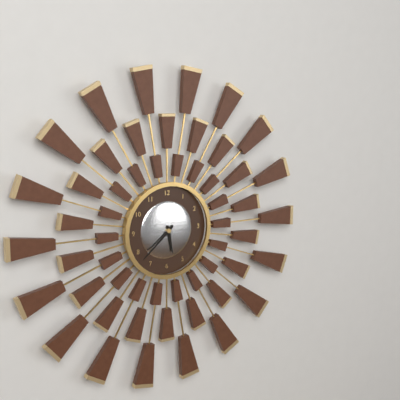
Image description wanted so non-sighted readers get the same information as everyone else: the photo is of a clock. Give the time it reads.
5:38
